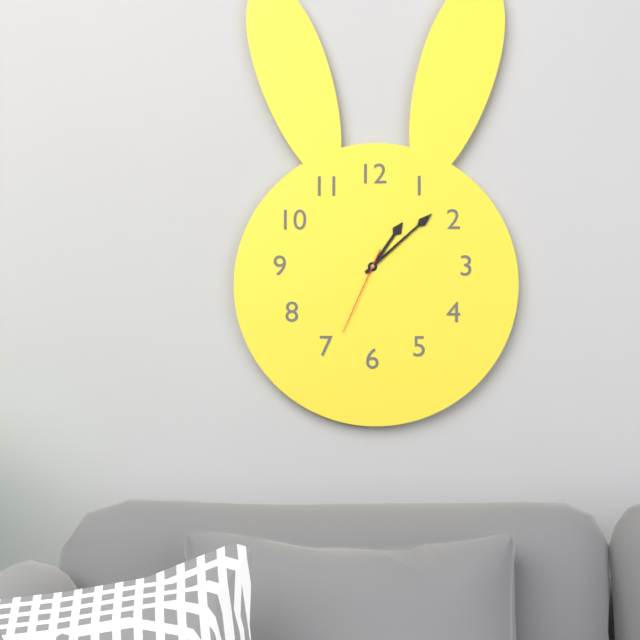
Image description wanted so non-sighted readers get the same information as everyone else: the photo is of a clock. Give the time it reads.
1:08:34
